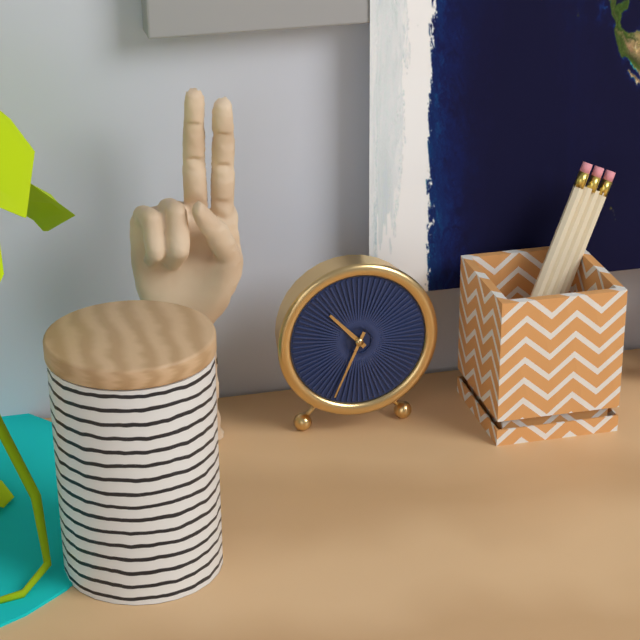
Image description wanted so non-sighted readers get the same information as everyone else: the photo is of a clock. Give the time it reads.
10:34
